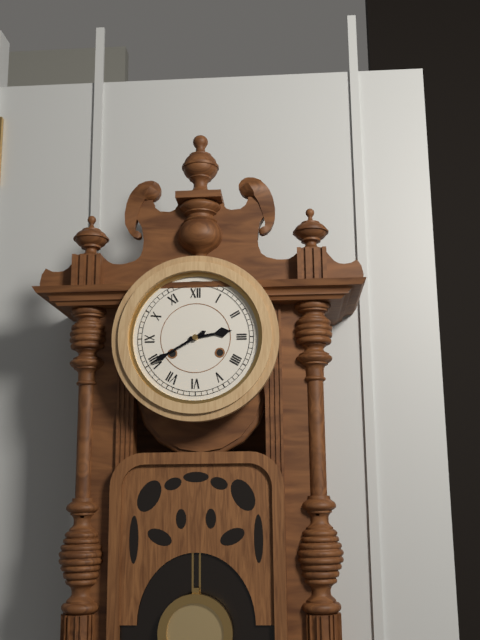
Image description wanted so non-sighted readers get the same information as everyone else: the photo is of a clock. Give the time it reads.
2:40
